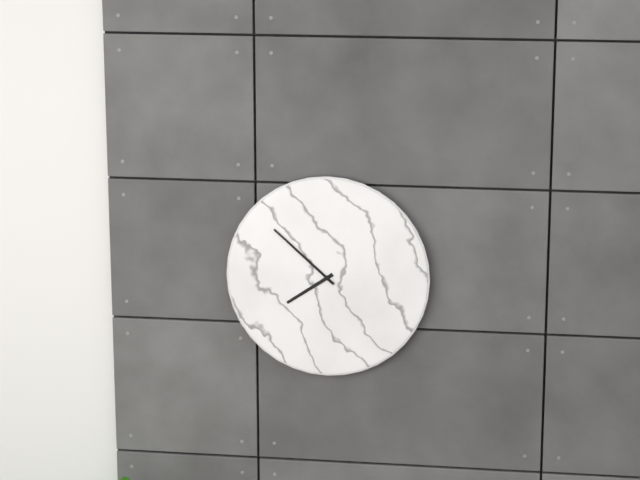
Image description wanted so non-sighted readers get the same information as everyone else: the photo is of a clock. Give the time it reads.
7:52
